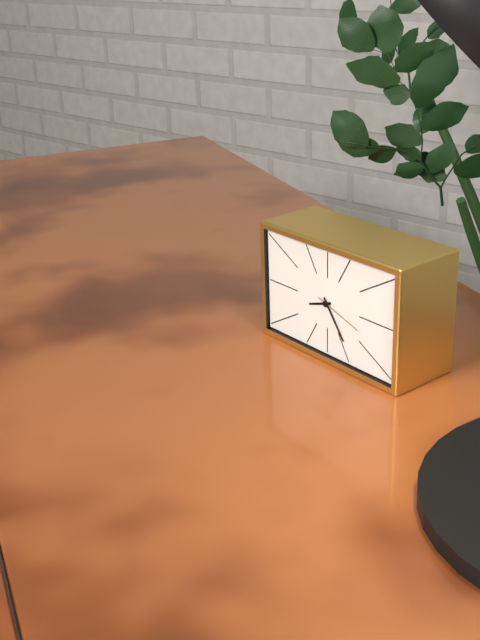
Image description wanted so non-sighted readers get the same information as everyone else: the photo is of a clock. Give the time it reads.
8:24:18
